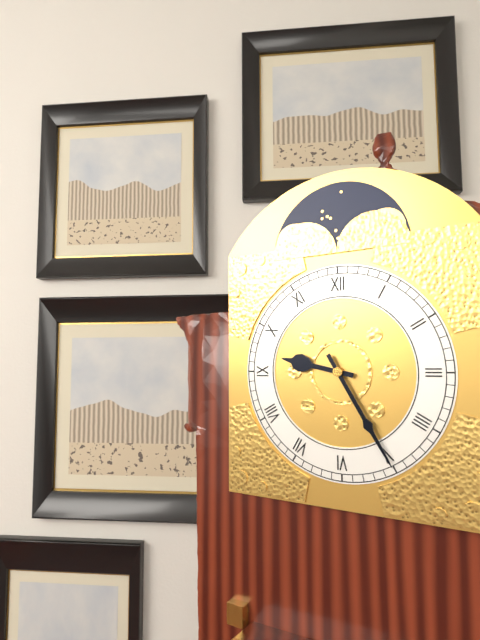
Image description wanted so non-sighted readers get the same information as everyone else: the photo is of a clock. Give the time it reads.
9:25
